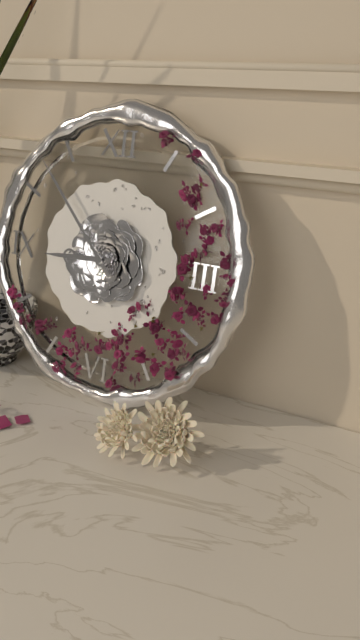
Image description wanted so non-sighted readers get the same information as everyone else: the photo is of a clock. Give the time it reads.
8:53
